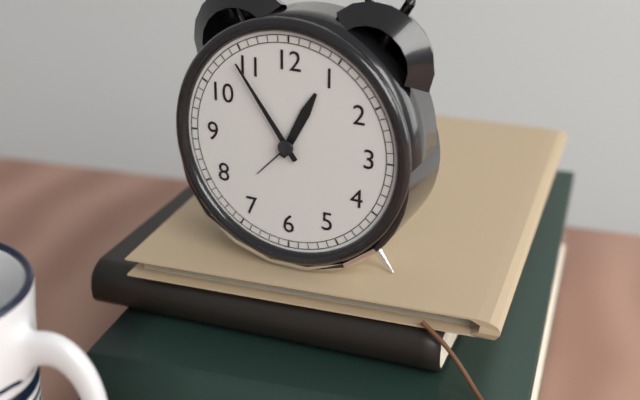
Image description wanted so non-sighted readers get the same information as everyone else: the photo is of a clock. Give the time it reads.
12:54
